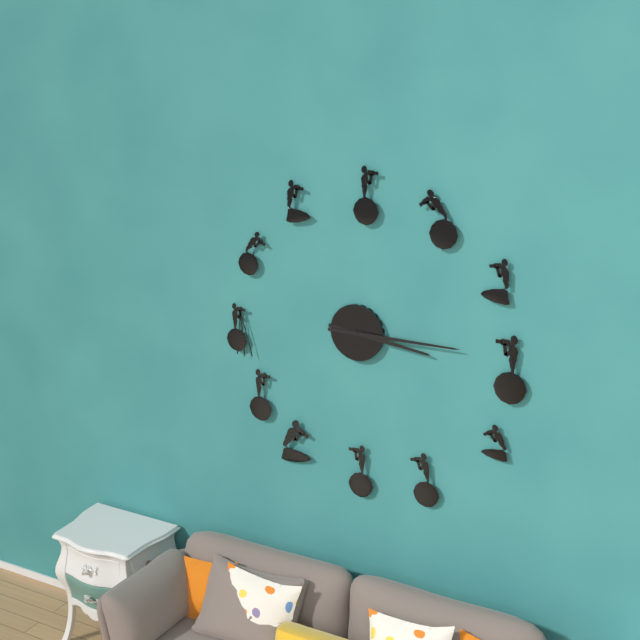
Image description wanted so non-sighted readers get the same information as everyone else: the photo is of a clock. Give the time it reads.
3:15
